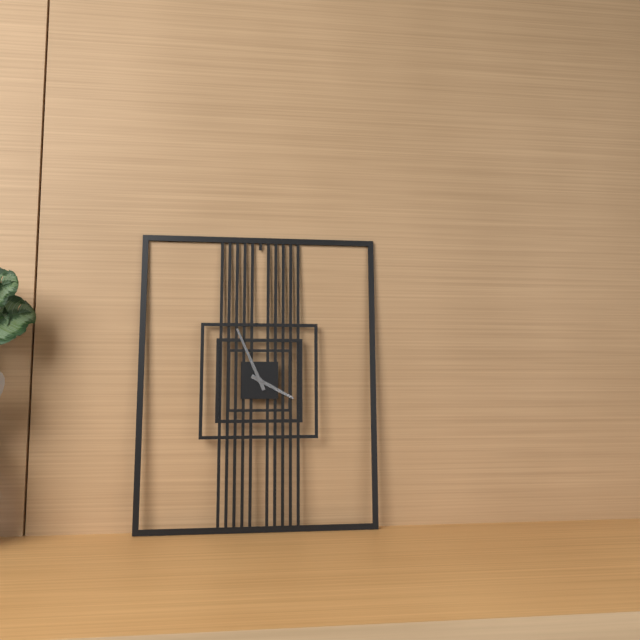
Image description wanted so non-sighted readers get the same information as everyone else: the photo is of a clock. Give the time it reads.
3:56
